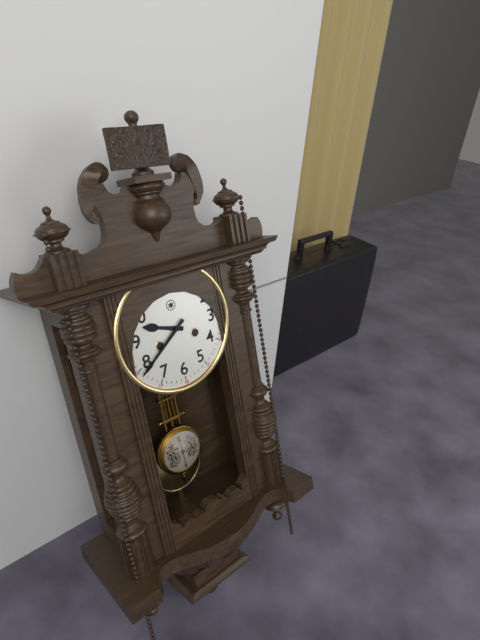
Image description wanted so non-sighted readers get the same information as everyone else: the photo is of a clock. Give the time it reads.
9:39
